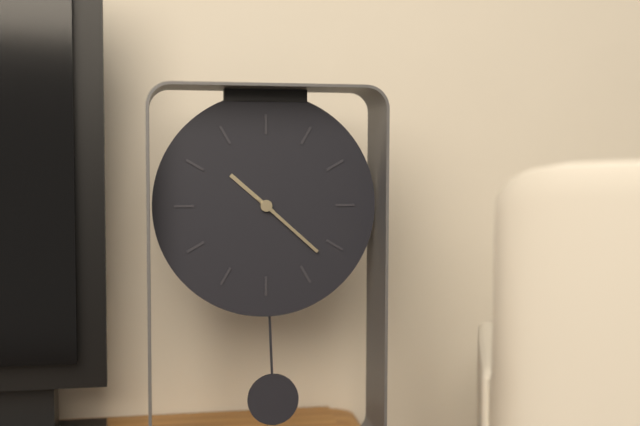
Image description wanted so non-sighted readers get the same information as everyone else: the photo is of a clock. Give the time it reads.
10:22
